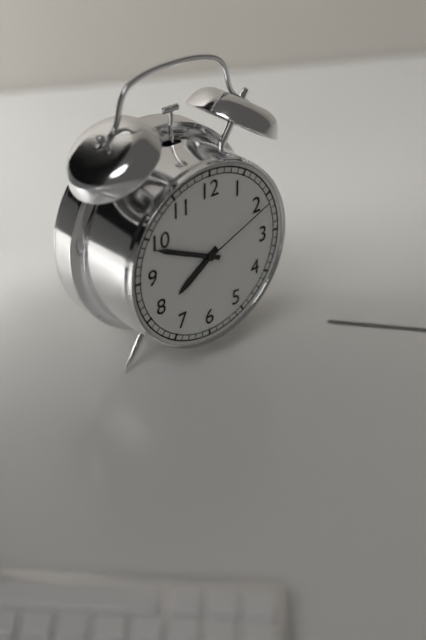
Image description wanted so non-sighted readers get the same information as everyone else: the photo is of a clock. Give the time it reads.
7:49:11
